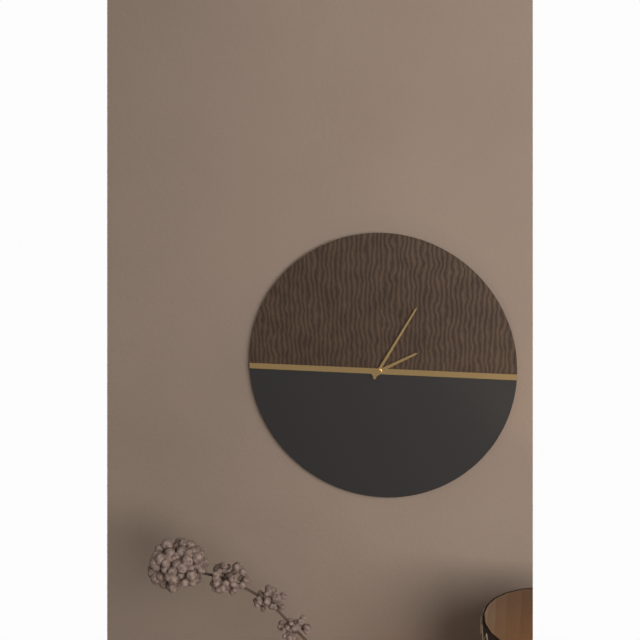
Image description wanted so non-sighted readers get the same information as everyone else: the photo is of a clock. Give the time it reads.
2:05
